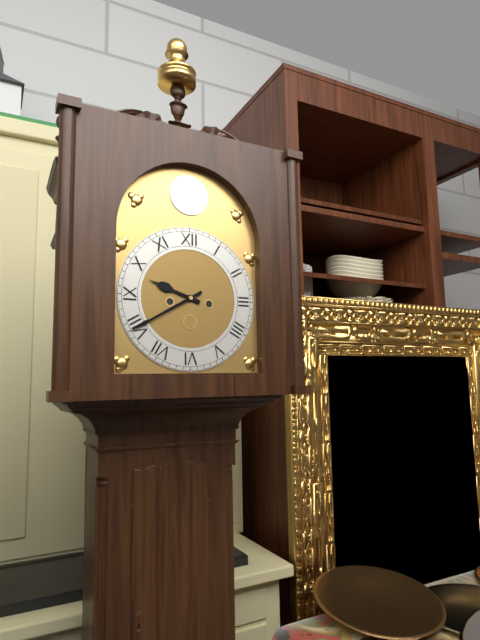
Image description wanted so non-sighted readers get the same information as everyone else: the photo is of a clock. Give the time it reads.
9:40
